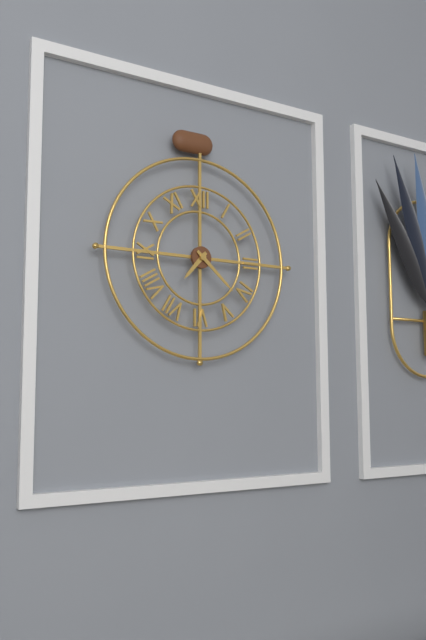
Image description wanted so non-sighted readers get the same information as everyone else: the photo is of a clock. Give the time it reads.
7:22
